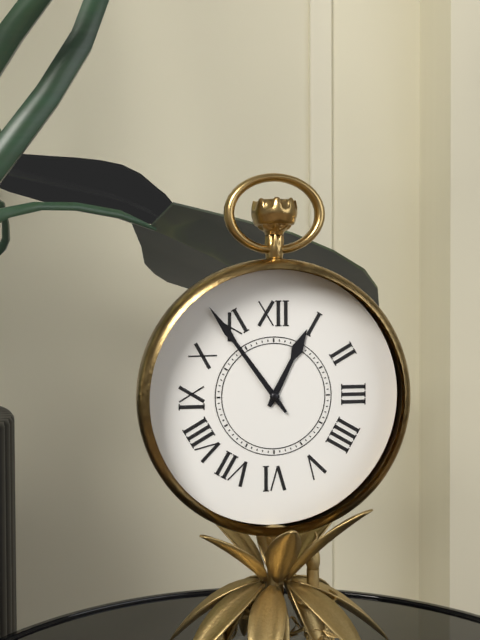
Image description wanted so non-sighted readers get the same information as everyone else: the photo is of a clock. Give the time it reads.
12:54
